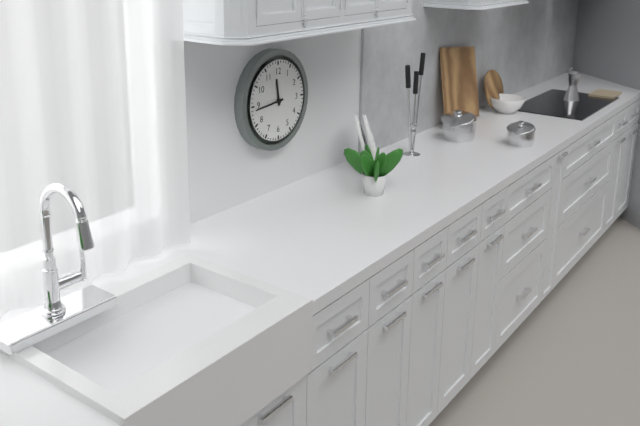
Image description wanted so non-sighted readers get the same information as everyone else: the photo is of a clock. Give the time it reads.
11:44
